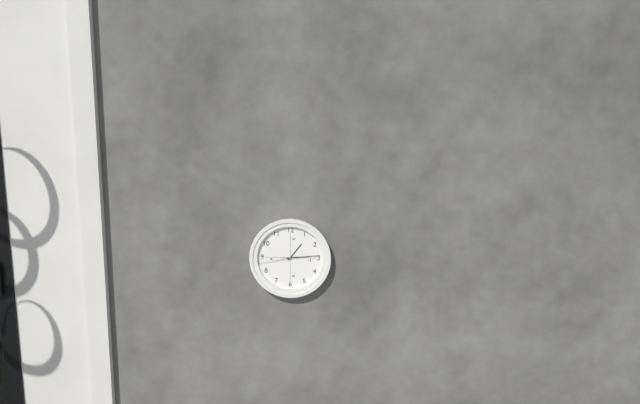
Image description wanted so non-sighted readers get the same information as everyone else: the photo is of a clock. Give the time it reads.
1:14
